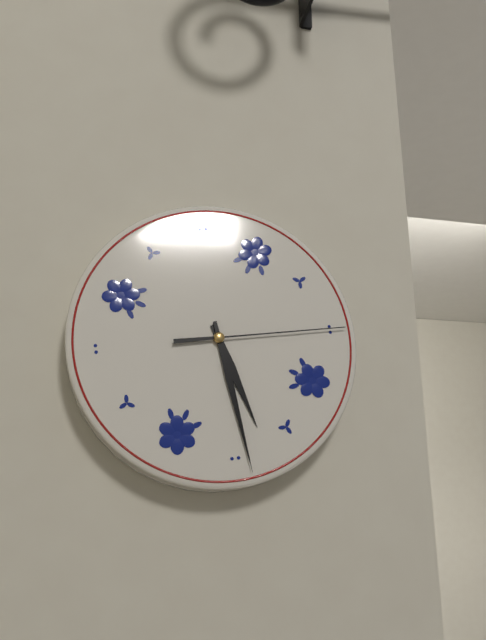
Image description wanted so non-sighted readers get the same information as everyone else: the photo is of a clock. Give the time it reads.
5:29:15
